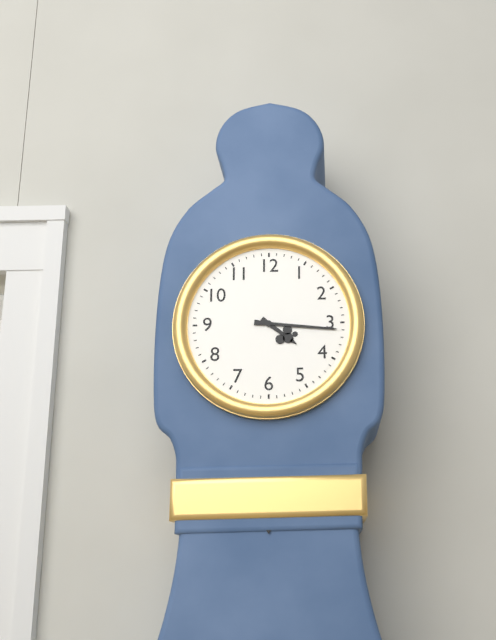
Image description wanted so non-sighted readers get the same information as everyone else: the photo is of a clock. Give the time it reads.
4:16
